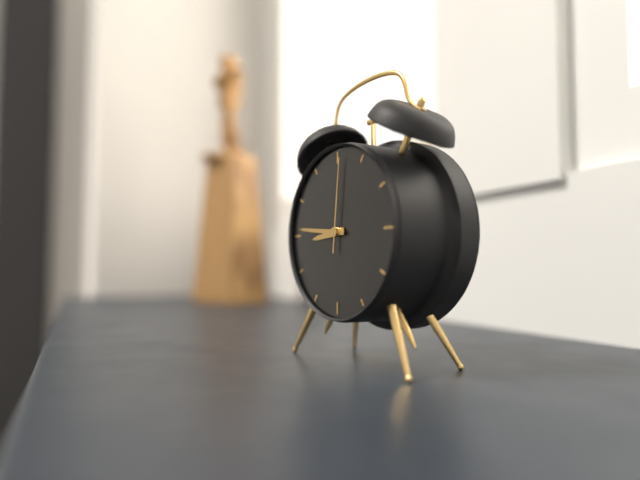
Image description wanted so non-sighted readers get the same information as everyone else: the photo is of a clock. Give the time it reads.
8:46:01
